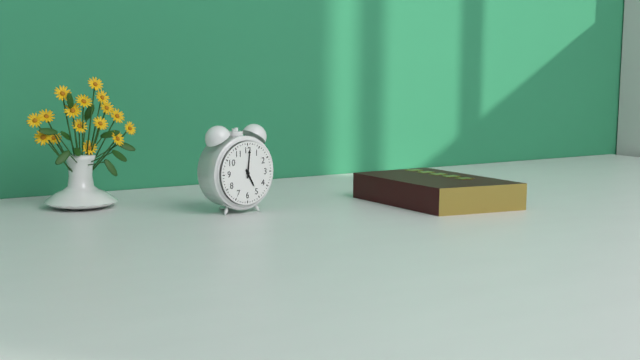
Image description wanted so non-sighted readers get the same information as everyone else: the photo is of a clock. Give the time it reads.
5:01
